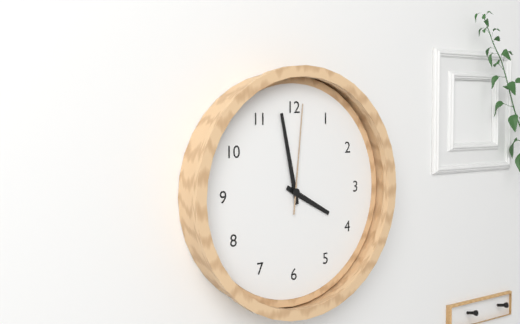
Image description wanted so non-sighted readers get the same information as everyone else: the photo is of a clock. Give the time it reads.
3:58:01
